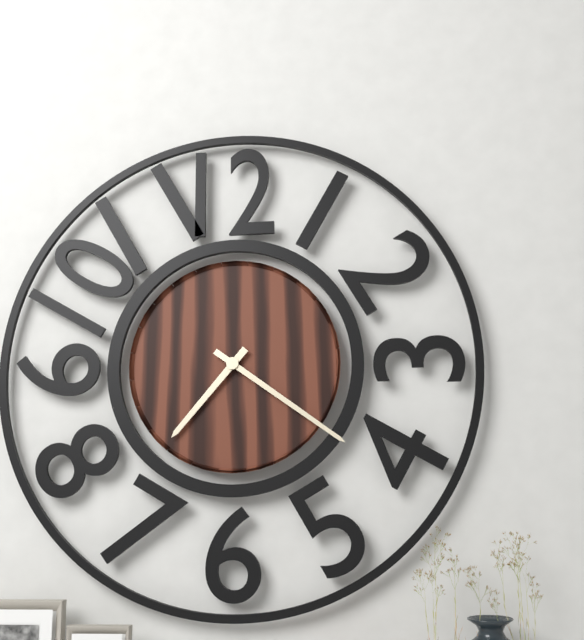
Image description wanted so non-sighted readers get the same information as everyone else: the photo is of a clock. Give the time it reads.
7:21
